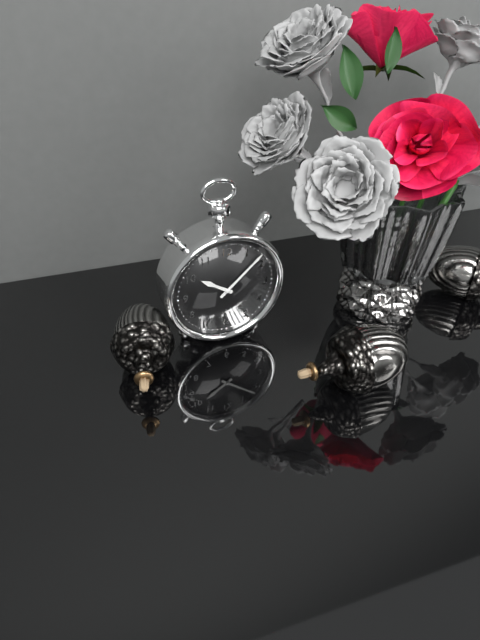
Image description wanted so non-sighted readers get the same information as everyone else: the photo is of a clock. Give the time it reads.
10:08
